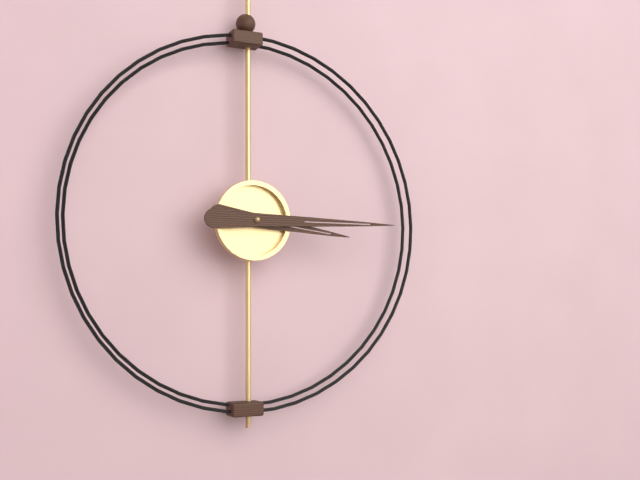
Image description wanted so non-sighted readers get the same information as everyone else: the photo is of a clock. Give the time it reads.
3:15
